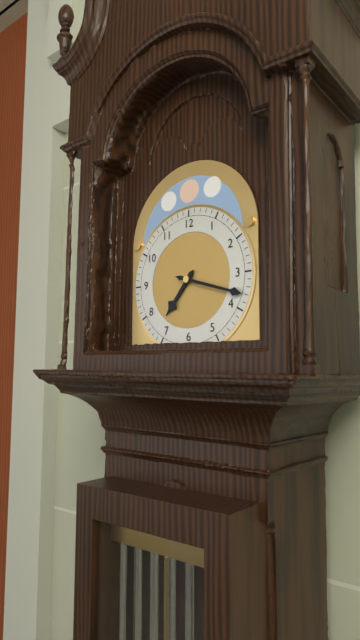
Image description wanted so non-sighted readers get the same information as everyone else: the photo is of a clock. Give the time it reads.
7:18
